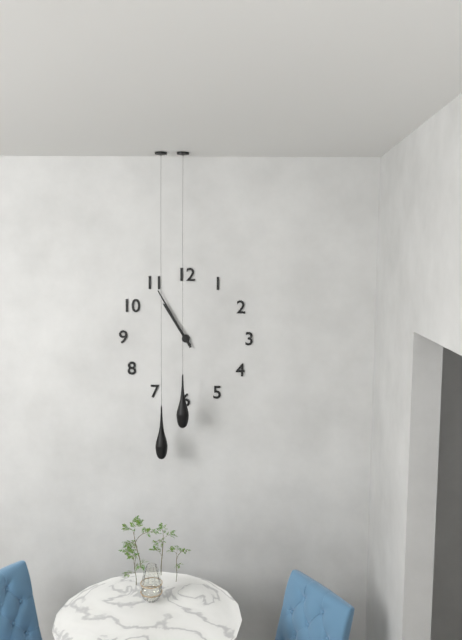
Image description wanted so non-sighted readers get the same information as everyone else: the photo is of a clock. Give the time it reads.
10:55
